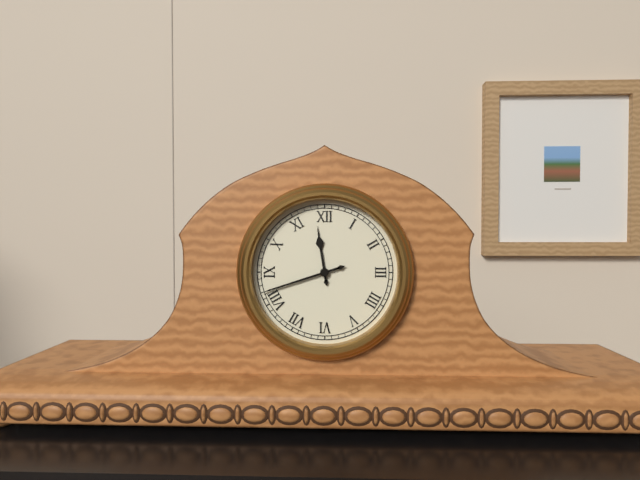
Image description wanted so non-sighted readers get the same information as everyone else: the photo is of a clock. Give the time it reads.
11:42
